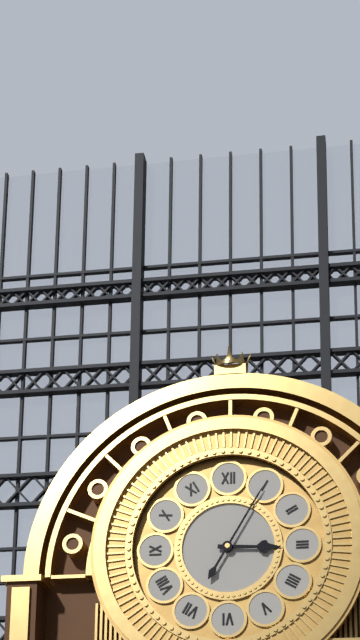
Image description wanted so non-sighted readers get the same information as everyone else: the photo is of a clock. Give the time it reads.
3:05
